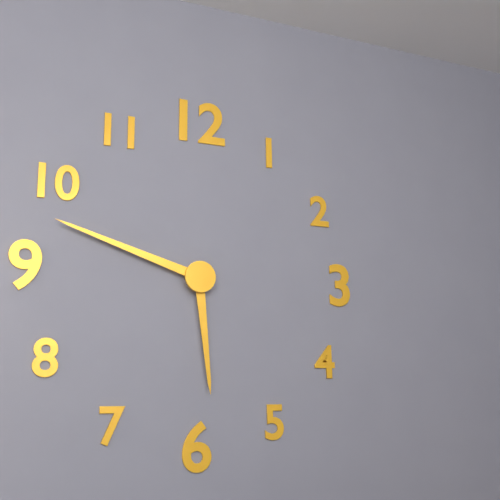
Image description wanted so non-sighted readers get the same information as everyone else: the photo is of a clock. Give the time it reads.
5:48
